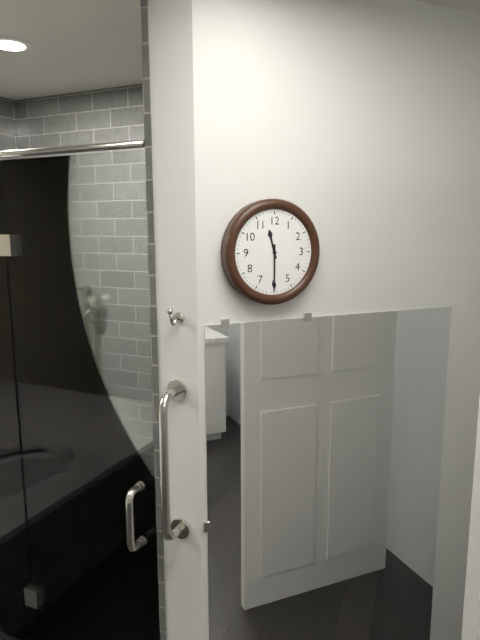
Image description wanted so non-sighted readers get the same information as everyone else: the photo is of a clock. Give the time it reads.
11:30
